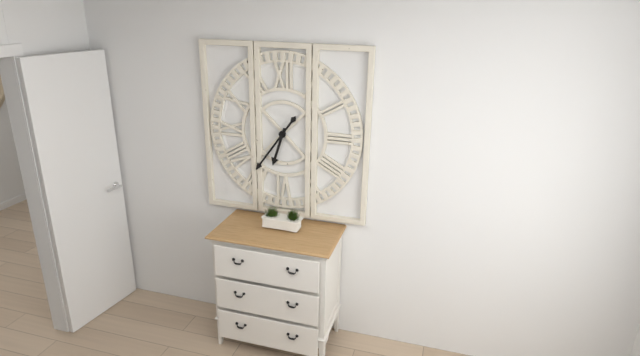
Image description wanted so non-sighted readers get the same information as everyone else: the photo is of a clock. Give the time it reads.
6:36
